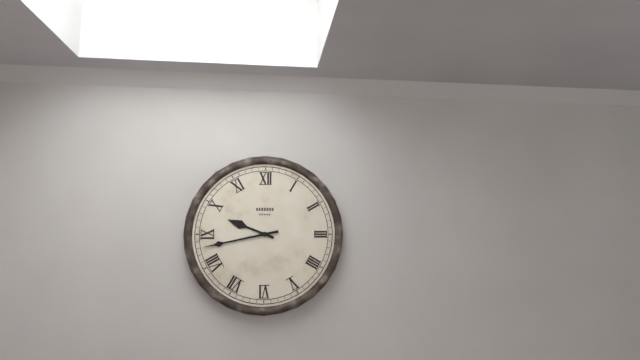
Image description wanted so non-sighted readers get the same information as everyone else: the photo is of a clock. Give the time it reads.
9:43
